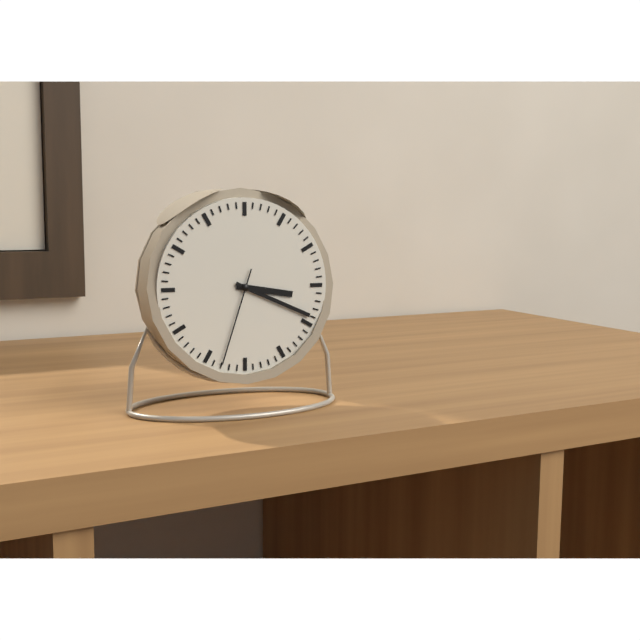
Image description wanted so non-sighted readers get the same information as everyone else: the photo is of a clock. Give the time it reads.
3:19:33
